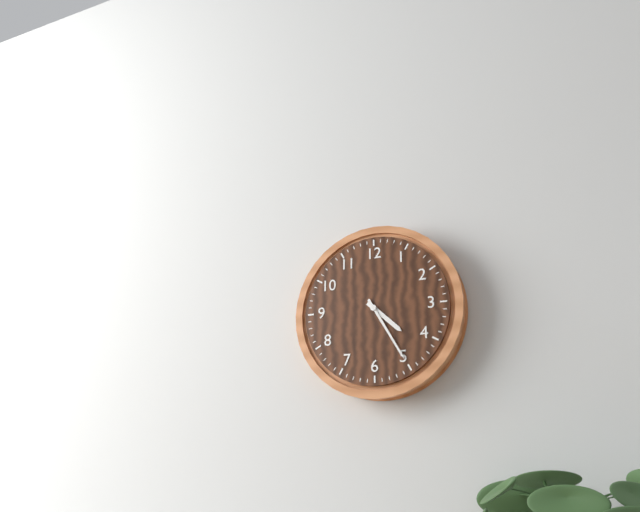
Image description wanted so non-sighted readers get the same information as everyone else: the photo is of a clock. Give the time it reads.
4:25
